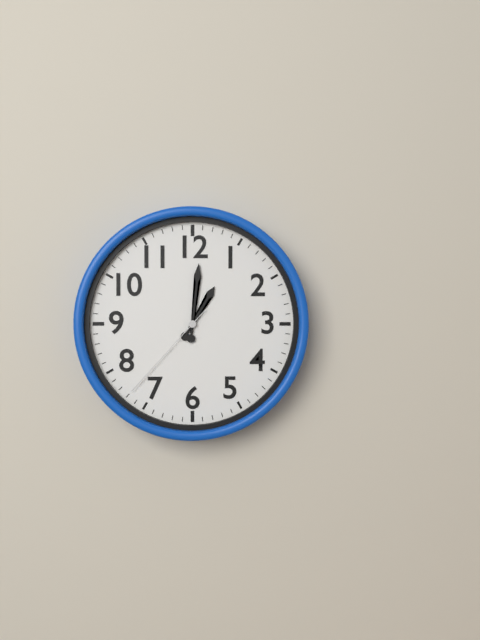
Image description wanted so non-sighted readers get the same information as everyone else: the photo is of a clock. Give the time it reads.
1:01:37
